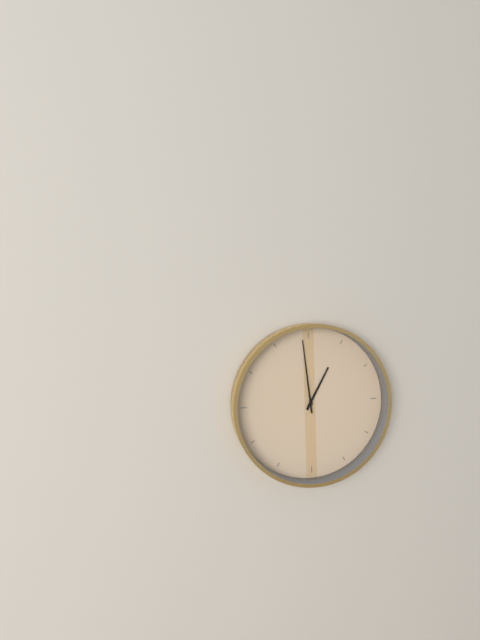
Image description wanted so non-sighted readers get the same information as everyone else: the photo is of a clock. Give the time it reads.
12:59
